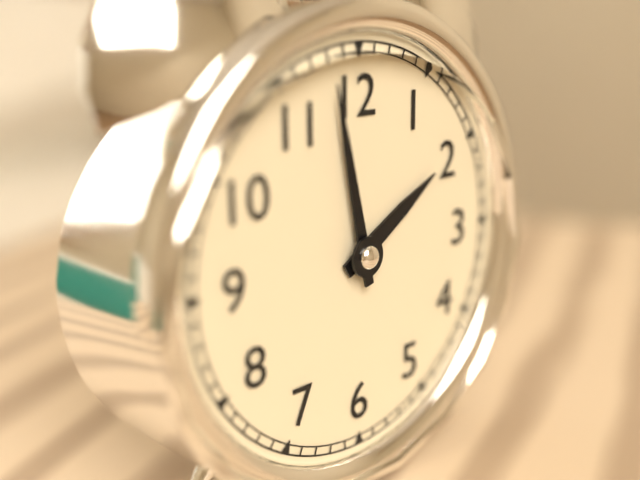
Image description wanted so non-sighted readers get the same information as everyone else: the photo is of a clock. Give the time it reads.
1:58
